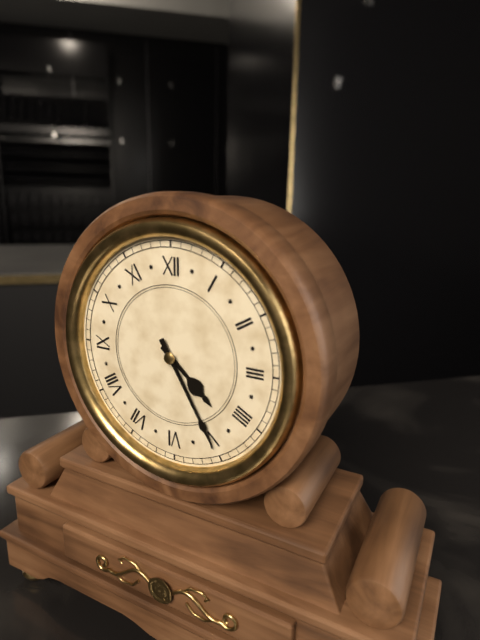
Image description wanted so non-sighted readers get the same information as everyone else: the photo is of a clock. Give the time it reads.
4:25
